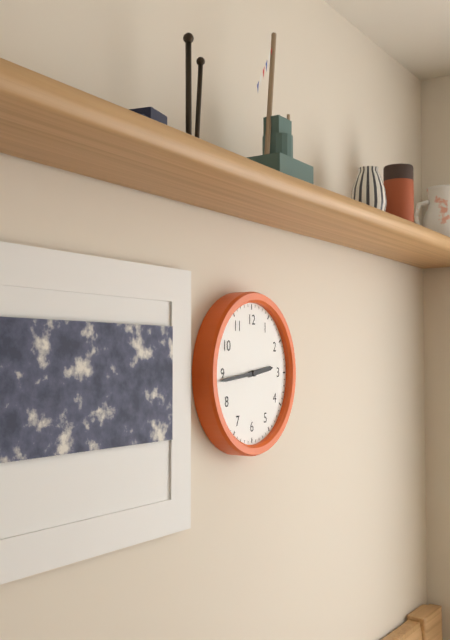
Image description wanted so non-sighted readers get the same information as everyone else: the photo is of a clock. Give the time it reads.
2:44
